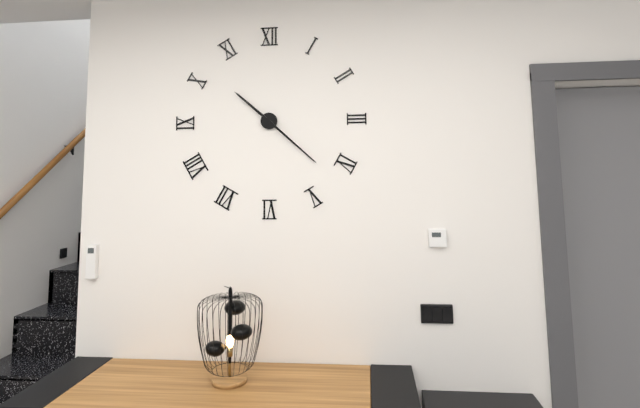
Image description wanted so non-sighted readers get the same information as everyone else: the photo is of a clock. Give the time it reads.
10:22
